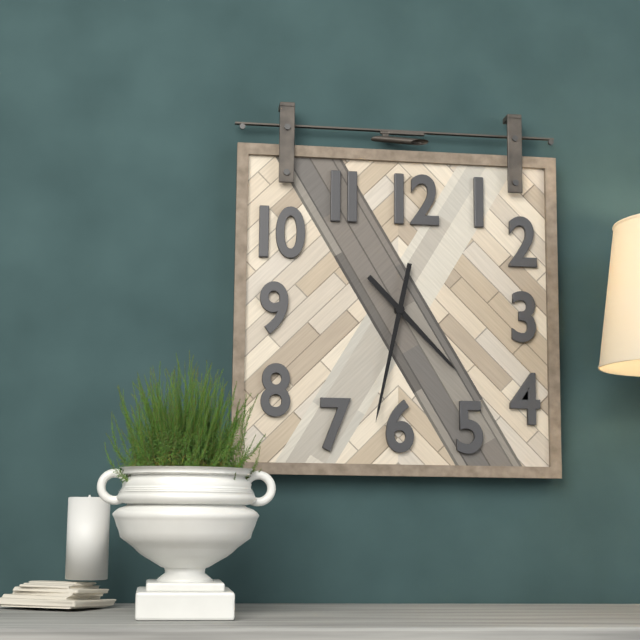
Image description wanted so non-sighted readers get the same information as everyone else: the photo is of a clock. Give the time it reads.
4:32
